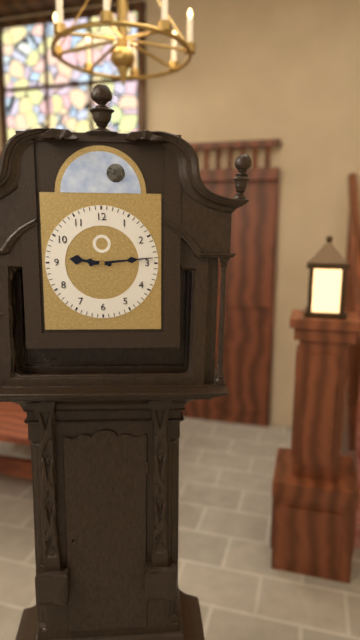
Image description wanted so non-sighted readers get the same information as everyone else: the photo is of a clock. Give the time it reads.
9:14
